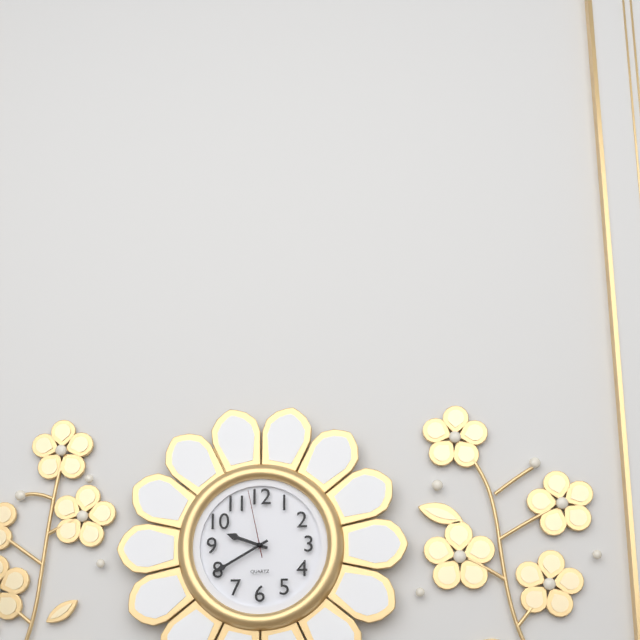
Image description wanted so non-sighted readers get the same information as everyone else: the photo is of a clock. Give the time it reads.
9:40:58
